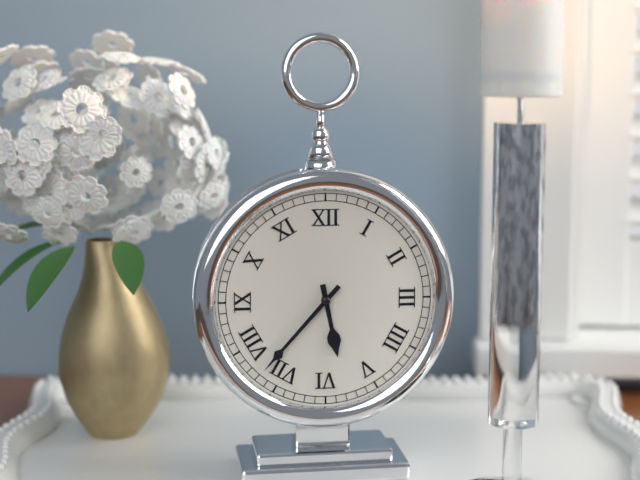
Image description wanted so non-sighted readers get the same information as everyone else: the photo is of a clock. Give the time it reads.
5:37
